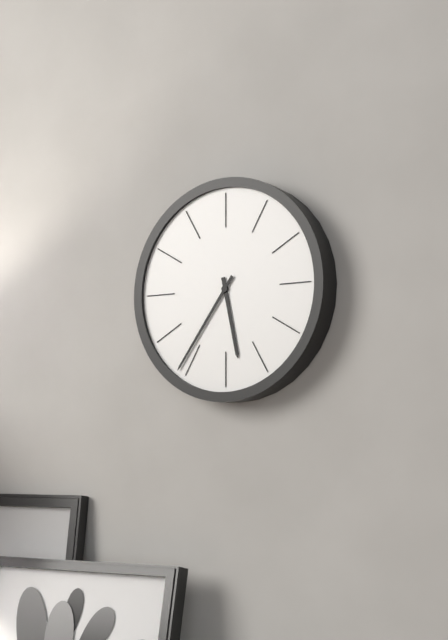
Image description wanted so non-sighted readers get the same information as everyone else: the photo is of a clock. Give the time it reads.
5:36
